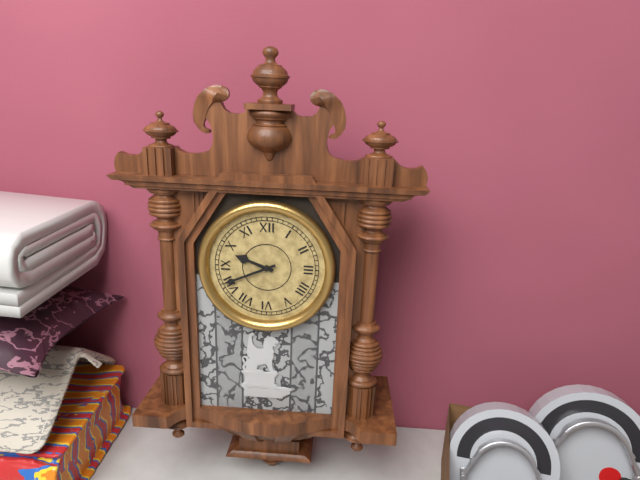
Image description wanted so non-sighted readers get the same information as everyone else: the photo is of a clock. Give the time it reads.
9:41
